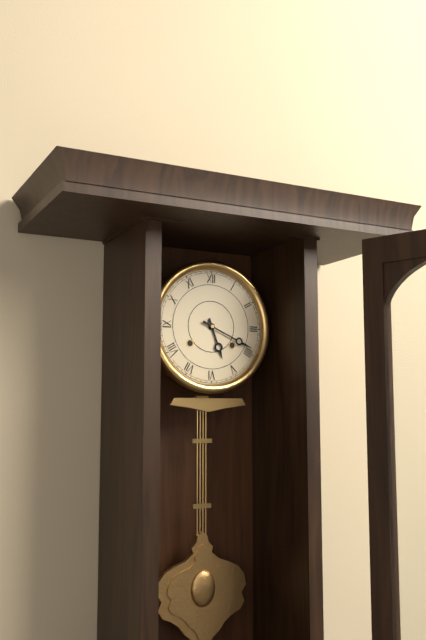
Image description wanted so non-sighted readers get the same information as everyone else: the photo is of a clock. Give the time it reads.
5:19
